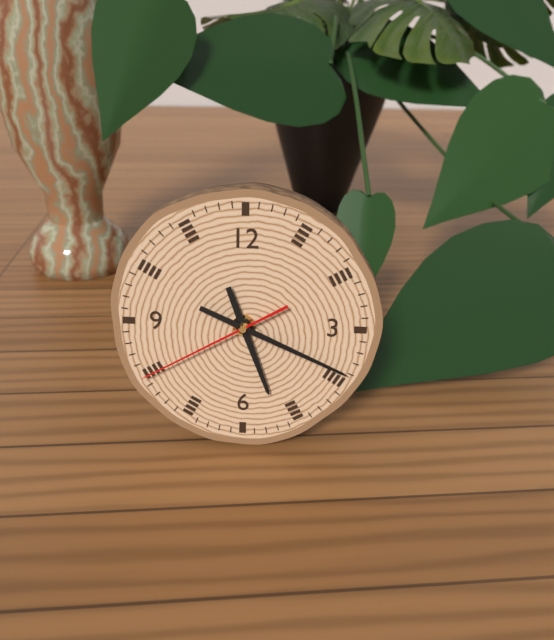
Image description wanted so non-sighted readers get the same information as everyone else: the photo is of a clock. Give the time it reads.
5:19:40
